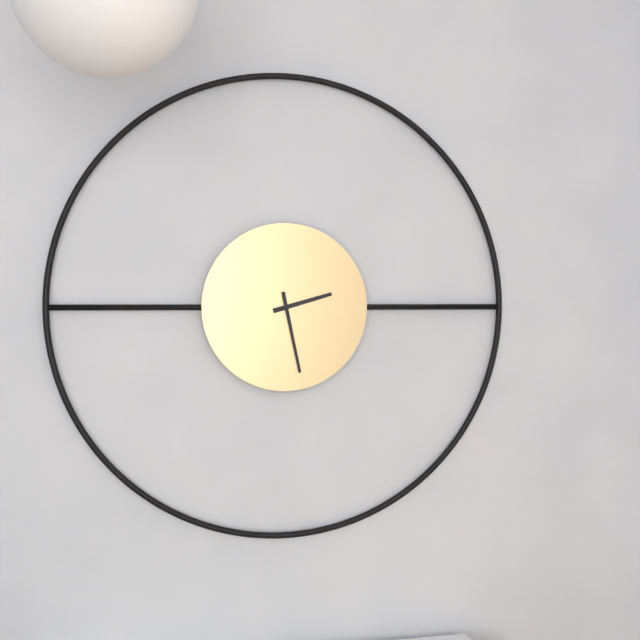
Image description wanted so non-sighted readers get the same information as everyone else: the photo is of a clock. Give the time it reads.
2:28
